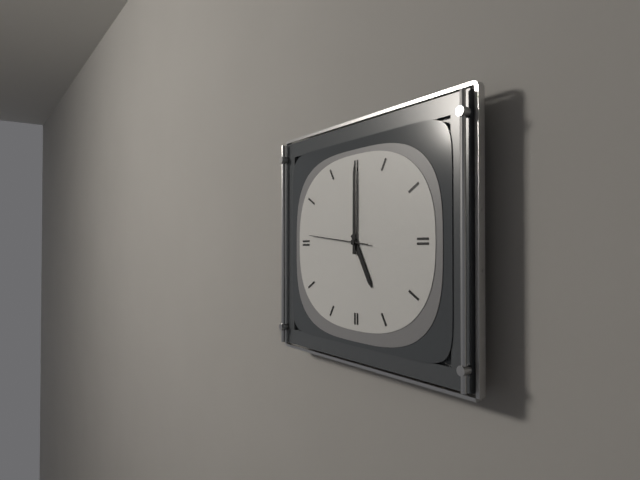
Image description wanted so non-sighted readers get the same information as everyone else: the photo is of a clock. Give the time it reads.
5:00:46
